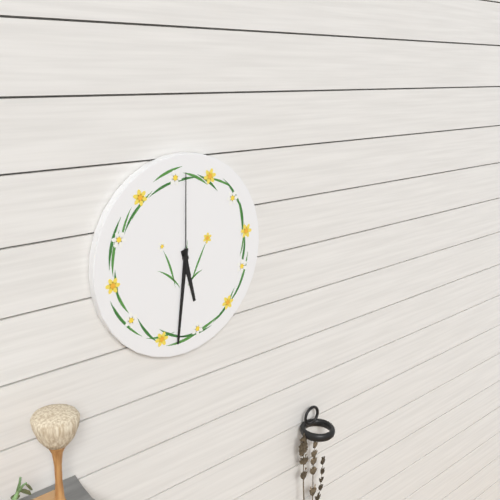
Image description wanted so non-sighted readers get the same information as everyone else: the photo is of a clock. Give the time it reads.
5:31:00
